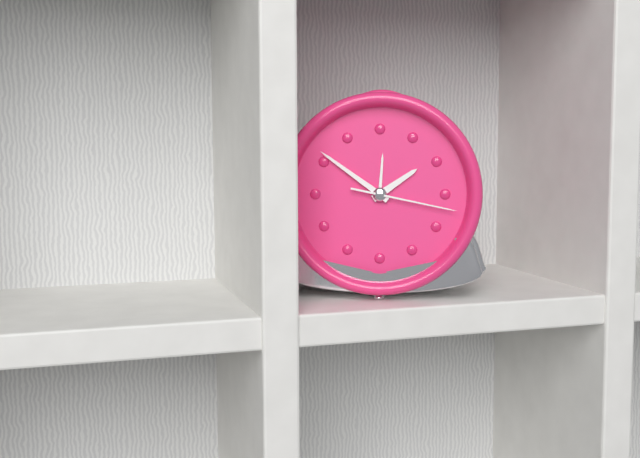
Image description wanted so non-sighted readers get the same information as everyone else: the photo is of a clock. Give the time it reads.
1:51:17
